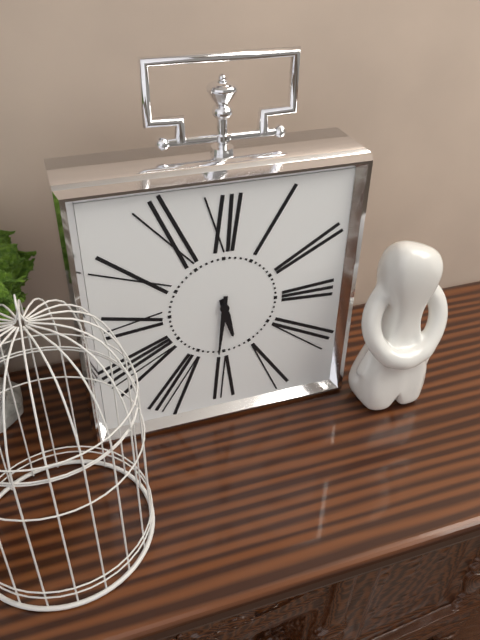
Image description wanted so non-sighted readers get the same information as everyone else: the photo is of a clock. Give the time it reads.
5:31
